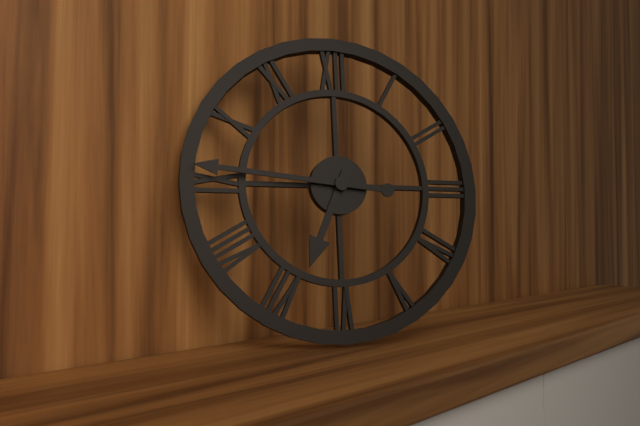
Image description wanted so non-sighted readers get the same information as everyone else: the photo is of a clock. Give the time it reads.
6:46
